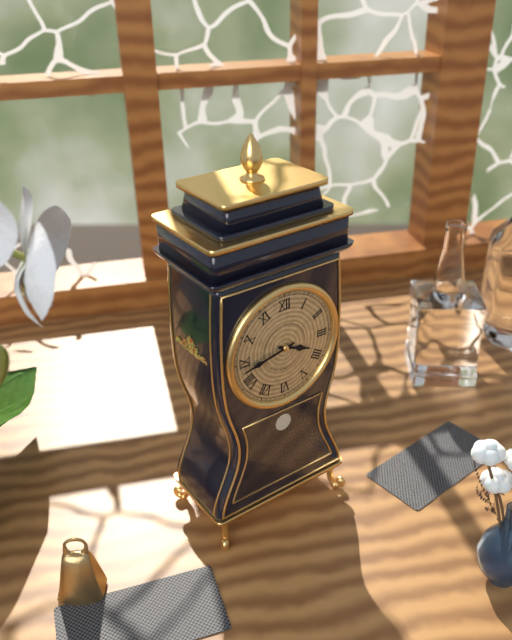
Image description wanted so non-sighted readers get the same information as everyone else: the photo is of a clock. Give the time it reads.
3:43
